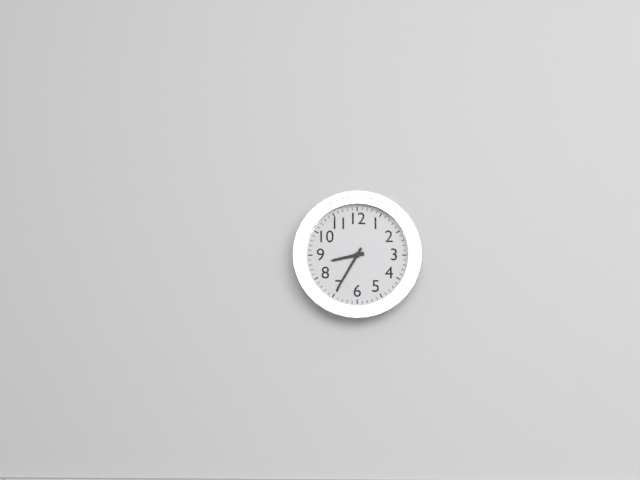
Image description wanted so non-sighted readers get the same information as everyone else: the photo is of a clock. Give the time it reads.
8:35
